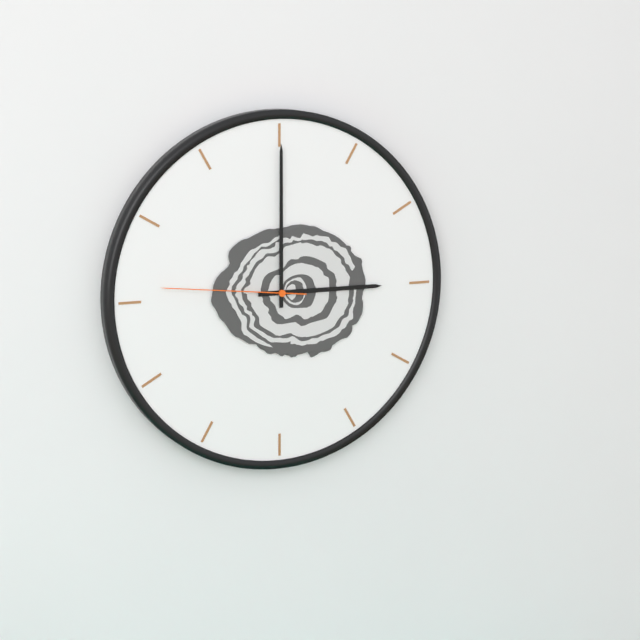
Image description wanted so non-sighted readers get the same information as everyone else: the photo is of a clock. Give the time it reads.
3:00:46
